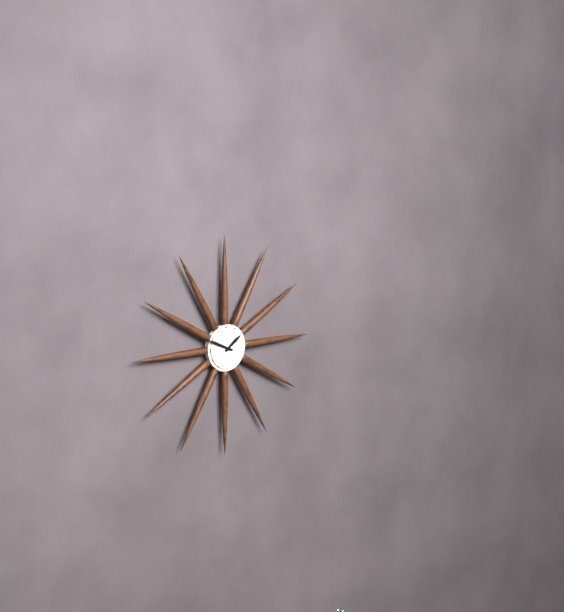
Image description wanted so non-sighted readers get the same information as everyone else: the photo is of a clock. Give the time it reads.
1:49
